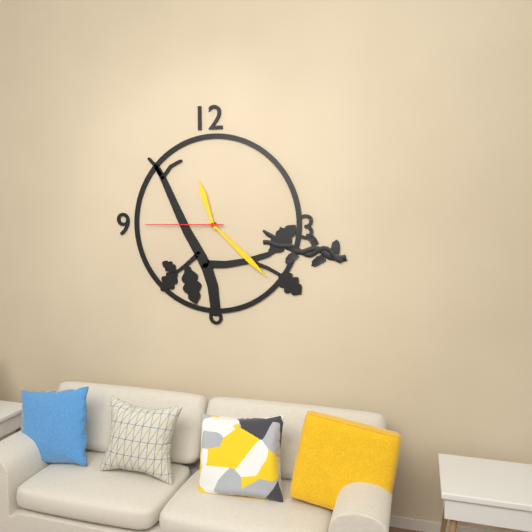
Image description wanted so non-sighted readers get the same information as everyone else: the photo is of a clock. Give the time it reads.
11:22:45
